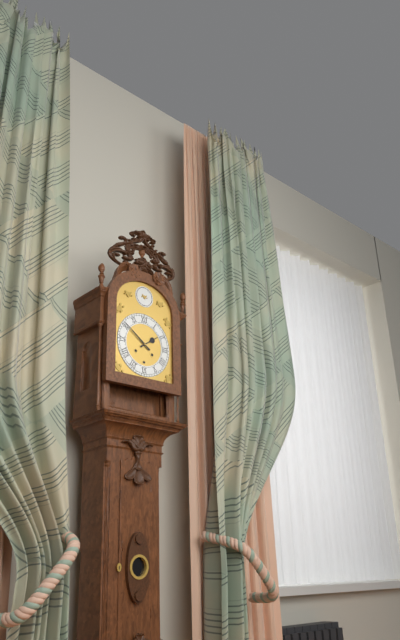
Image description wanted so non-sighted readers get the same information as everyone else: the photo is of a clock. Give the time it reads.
1:51
